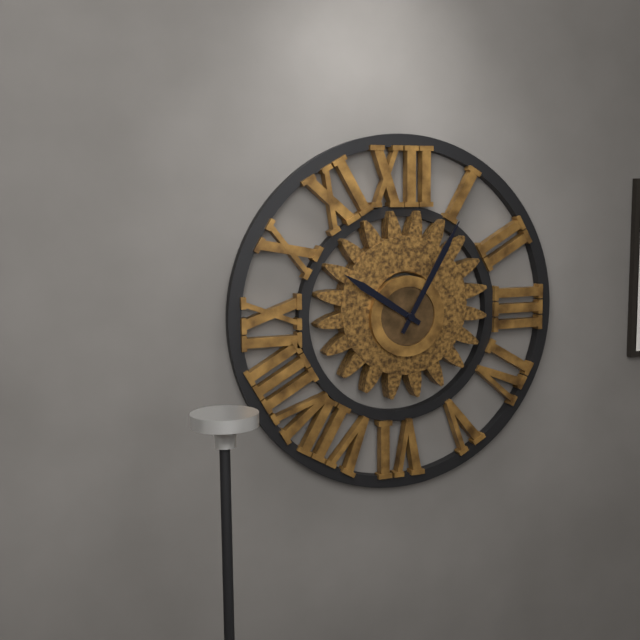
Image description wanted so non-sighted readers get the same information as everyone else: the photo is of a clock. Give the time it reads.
10:05
